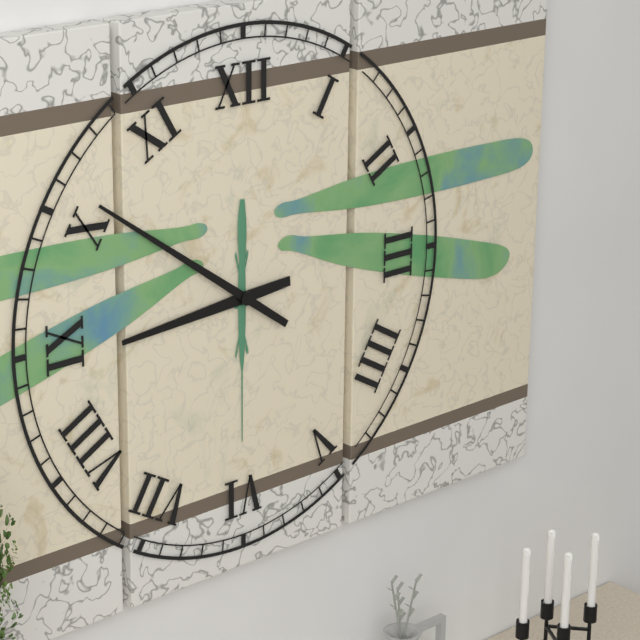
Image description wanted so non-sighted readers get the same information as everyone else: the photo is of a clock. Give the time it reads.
8:51
